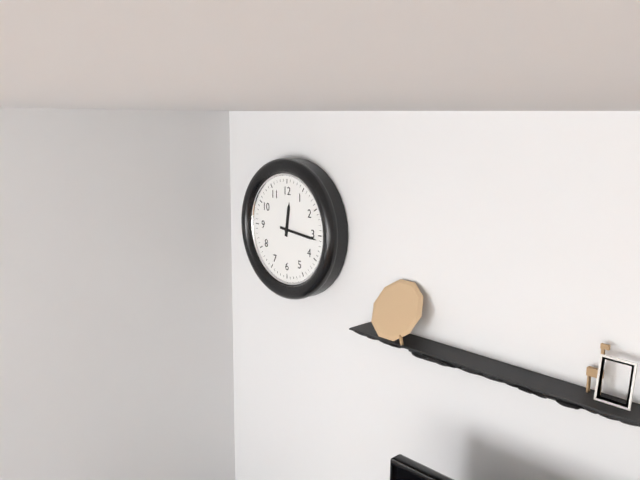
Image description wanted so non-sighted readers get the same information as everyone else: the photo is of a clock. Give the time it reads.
12:16
